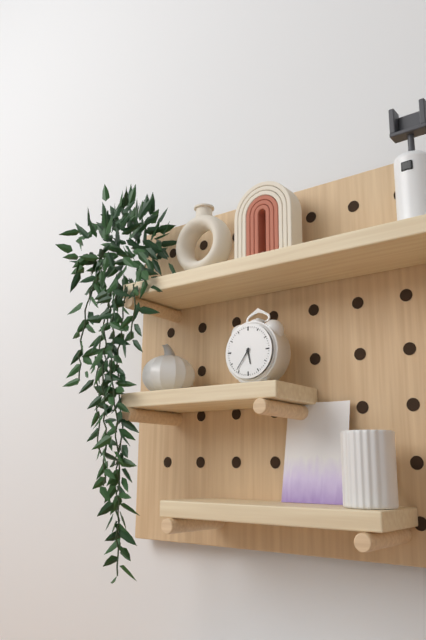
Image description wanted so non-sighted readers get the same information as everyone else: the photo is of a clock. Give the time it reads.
5:36
